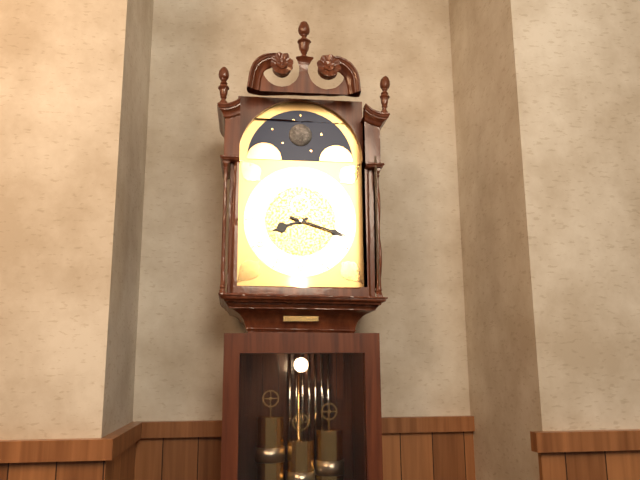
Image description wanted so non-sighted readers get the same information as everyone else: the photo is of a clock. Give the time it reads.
8:18
